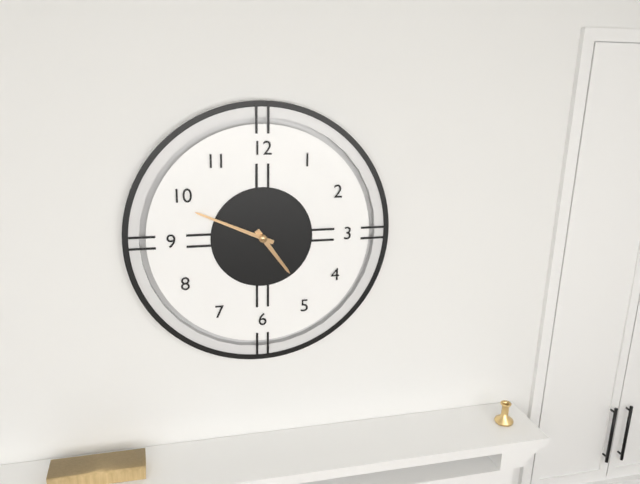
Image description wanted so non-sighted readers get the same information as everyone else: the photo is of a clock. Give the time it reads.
4:49
